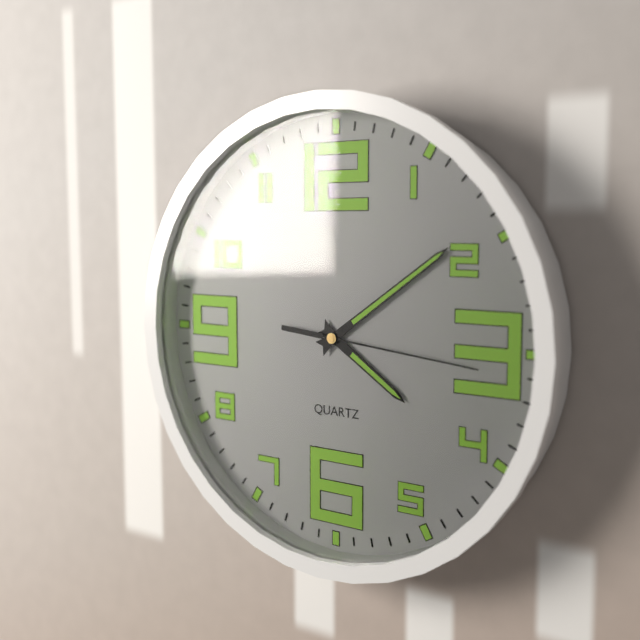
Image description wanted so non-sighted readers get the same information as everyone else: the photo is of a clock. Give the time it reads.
4:09:16
